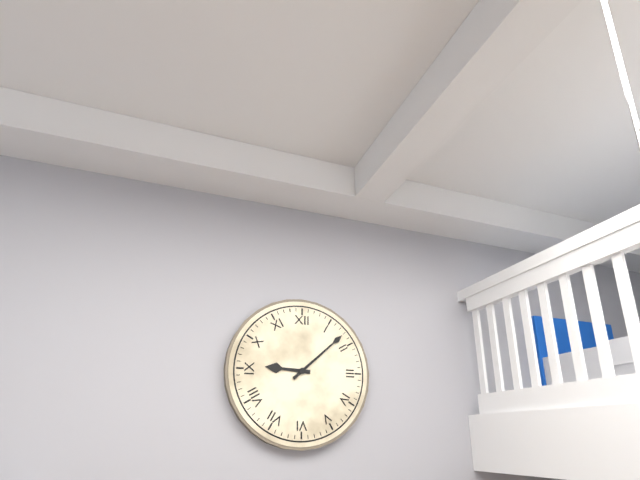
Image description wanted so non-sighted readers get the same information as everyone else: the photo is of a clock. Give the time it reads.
9:08
